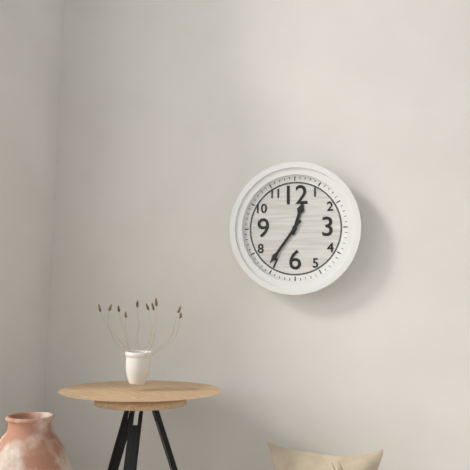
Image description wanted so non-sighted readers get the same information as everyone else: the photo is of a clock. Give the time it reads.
12:36
